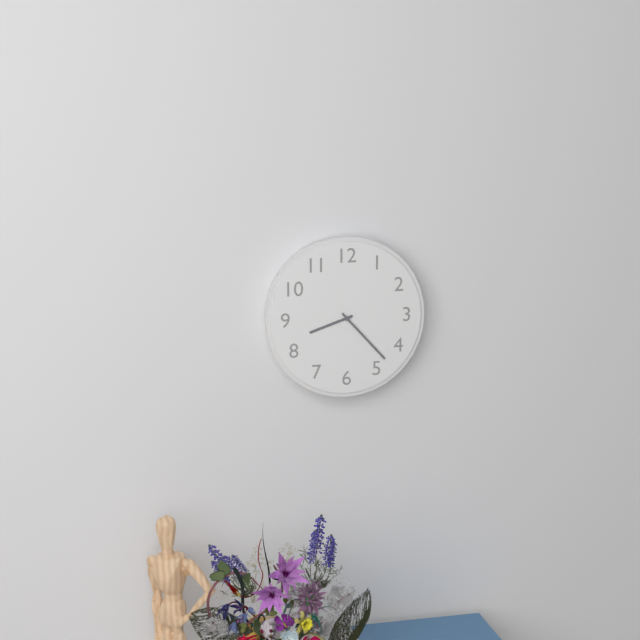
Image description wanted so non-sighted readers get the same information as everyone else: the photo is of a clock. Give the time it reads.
8:23
